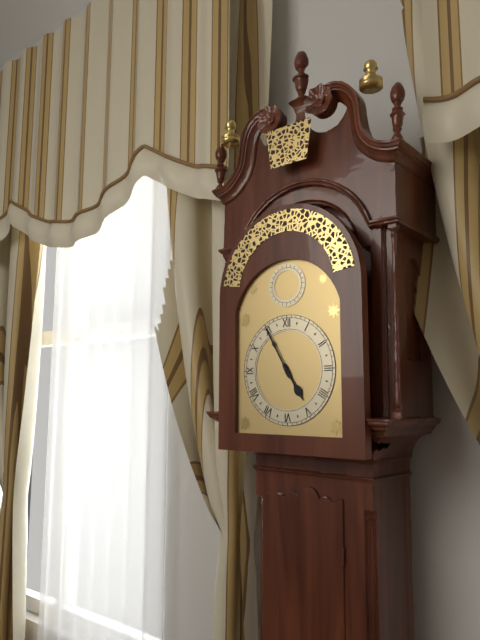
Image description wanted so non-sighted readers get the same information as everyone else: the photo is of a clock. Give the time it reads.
4:55
